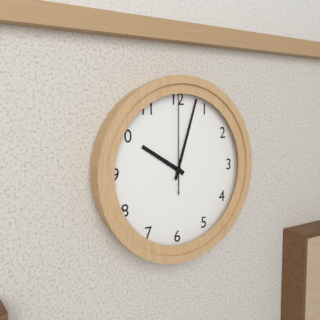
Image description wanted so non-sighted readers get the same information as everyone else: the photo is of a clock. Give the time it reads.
10:03:00
